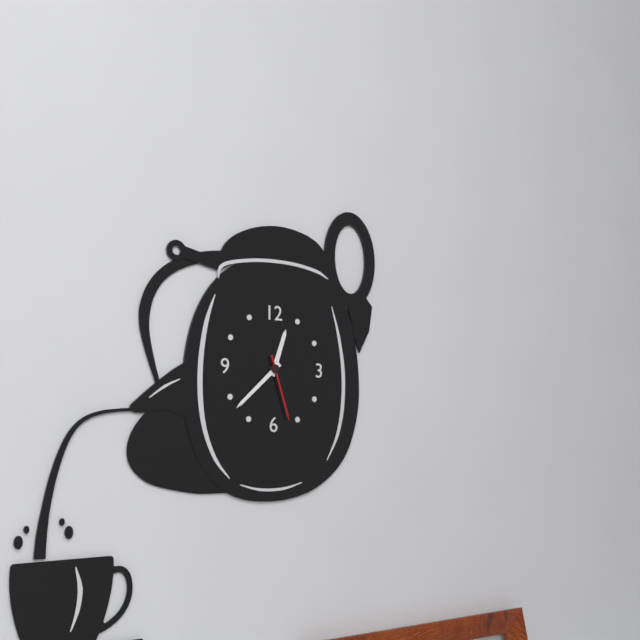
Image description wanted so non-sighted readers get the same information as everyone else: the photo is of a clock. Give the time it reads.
12:38:27
